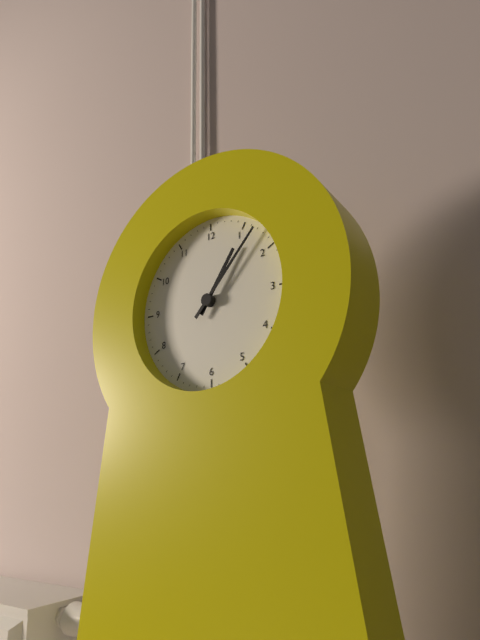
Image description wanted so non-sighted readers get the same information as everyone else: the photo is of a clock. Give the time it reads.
1:07
